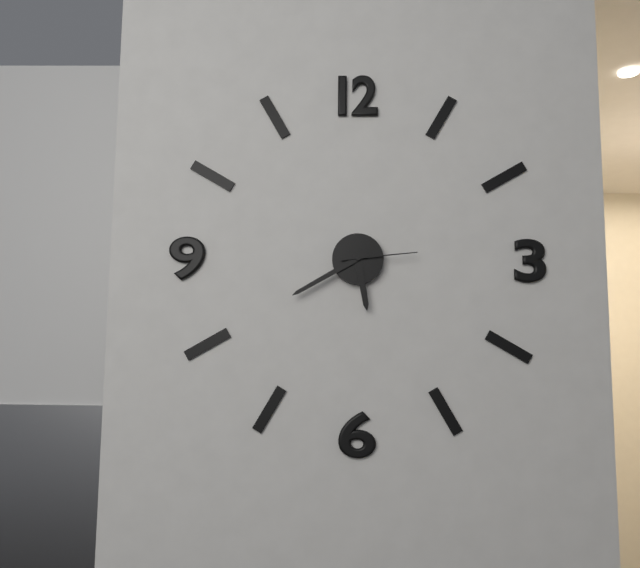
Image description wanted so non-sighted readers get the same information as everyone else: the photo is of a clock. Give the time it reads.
5:40:14
